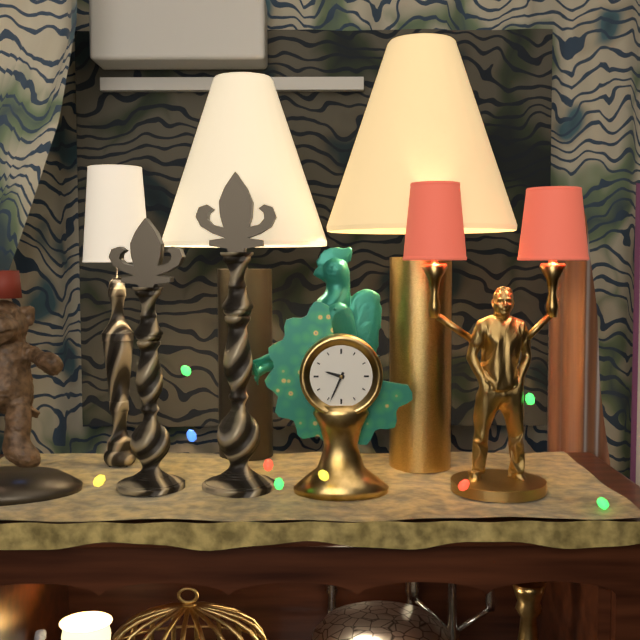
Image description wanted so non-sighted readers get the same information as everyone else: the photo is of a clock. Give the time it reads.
9:34
